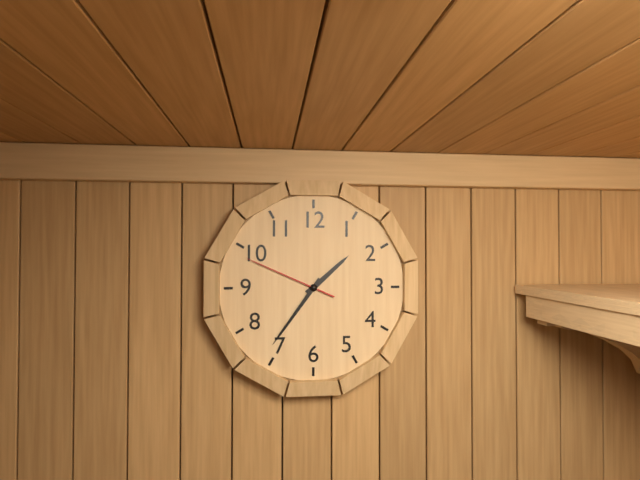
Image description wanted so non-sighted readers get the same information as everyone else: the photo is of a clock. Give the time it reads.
1:36:49
